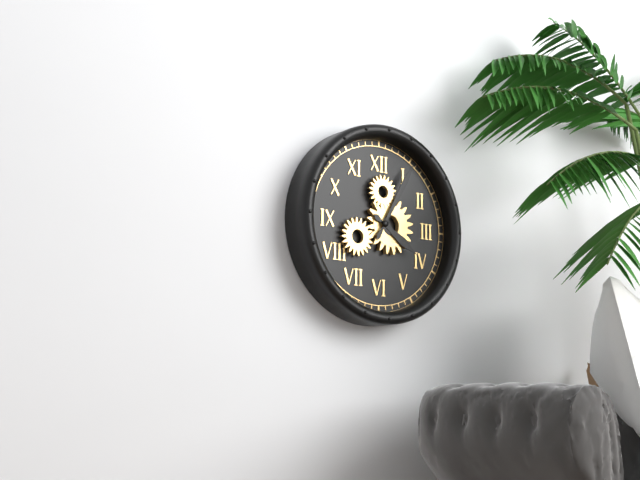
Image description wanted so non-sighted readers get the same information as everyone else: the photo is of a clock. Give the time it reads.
4:05
